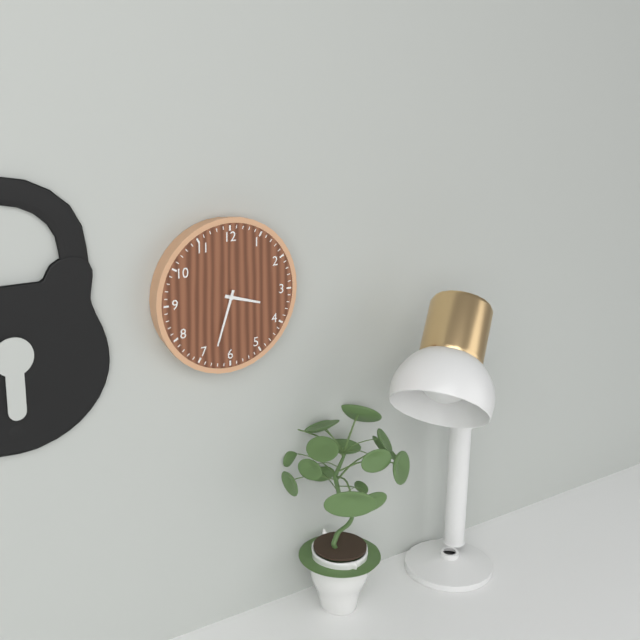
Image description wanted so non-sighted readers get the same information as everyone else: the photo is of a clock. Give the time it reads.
3:33
